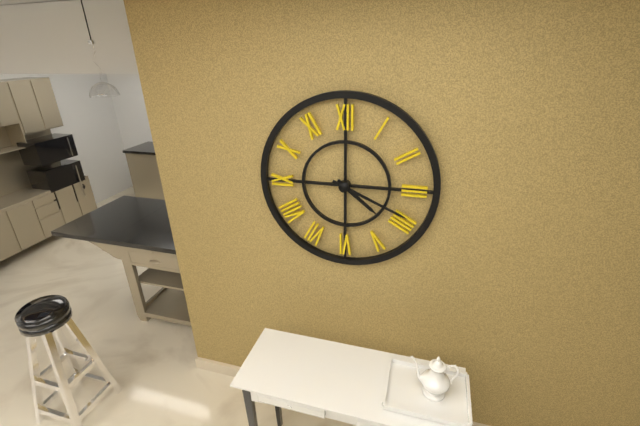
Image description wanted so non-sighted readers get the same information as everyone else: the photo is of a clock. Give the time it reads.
4:19
